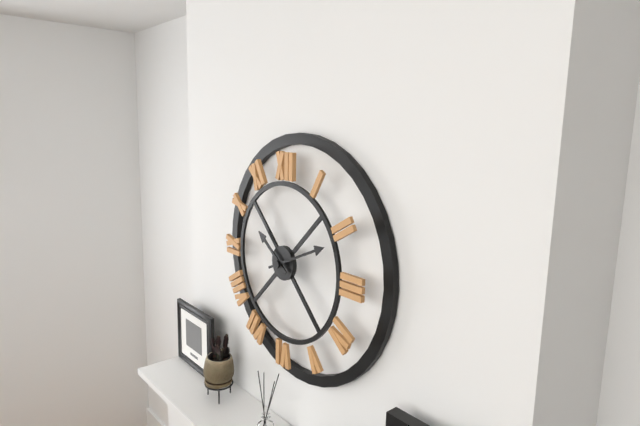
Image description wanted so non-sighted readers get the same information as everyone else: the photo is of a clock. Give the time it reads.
10:11
